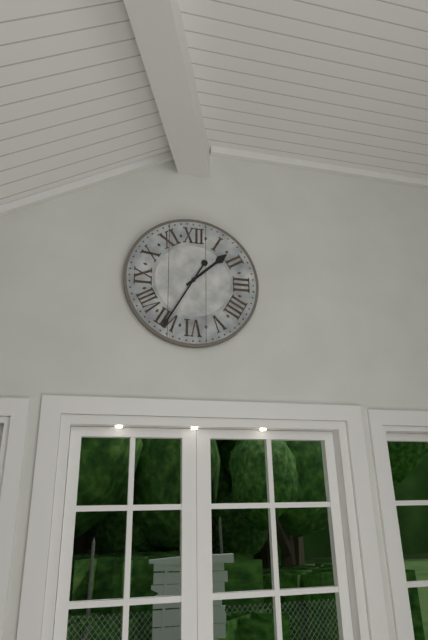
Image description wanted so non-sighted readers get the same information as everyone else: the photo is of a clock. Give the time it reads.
1:35
